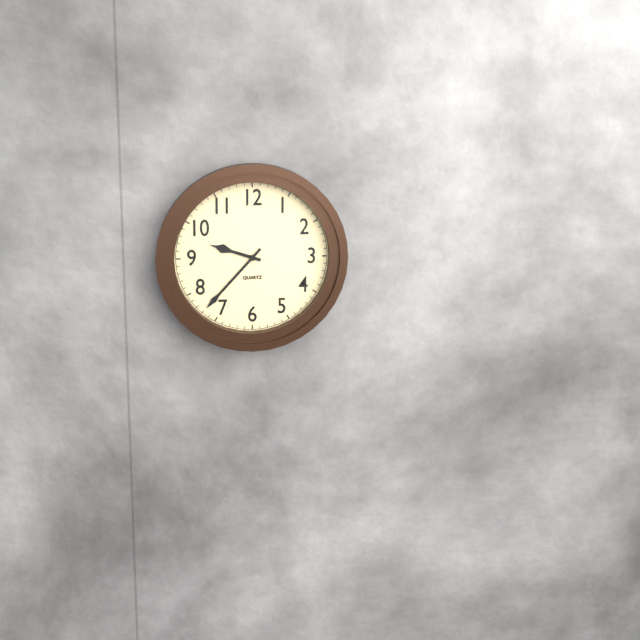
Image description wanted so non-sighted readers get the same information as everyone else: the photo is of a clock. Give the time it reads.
9:37
